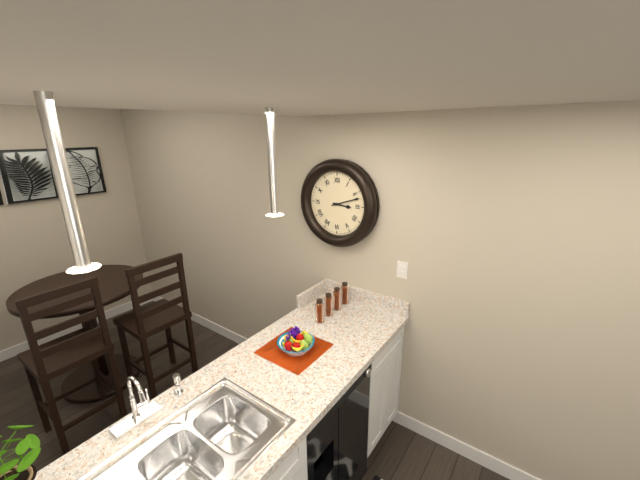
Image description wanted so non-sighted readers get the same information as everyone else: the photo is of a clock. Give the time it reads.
3:12
